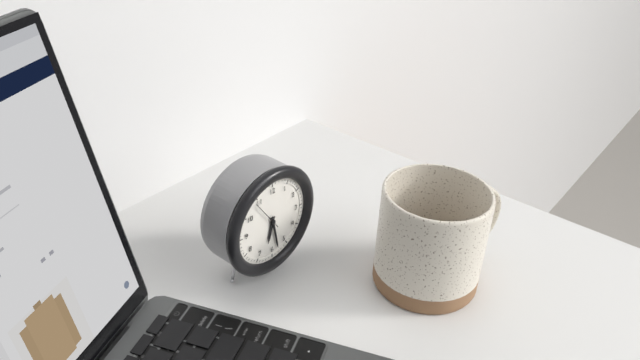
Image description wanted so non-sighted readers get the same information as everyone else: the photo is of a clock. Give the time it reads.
6:28
